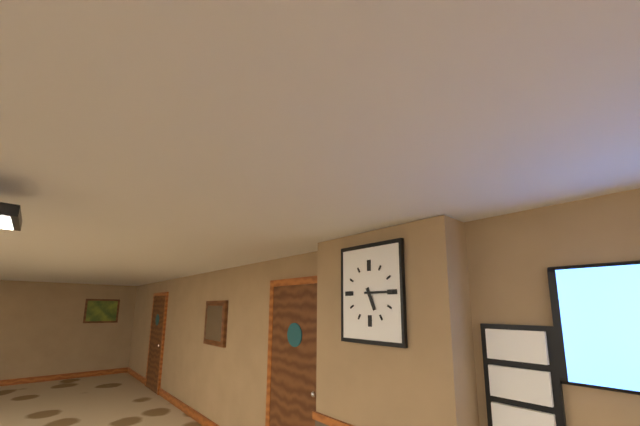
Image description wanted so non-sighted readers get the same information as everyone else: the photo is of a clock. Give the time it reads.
5:15
